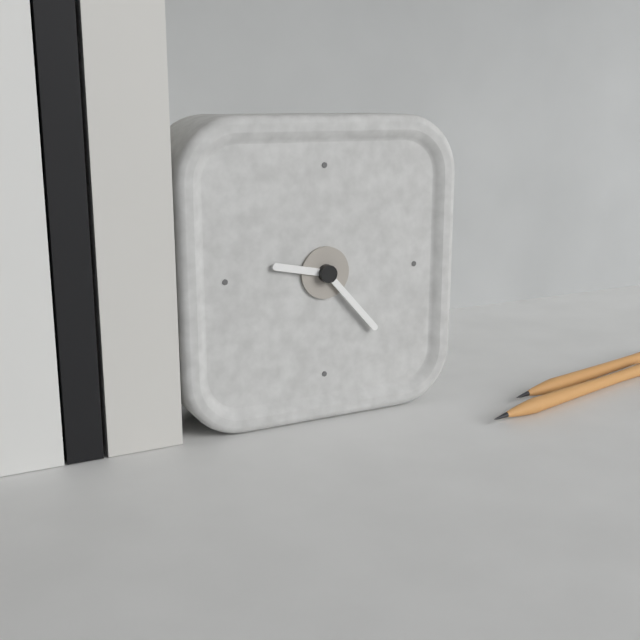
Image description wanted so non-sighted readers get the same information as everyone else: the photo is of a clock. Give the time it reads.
9:23
